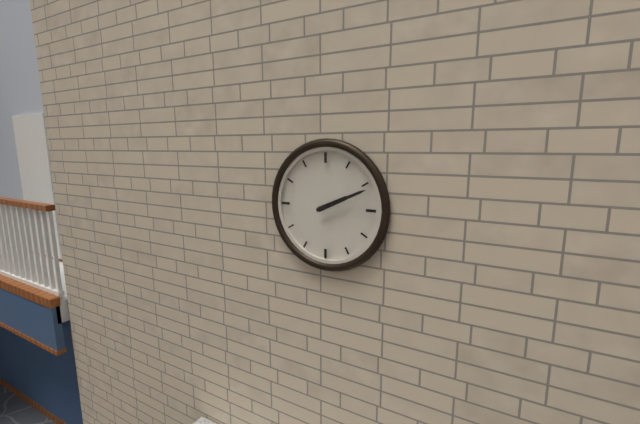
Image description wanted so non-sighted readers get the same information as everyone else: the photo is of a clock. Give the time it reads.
2:11
